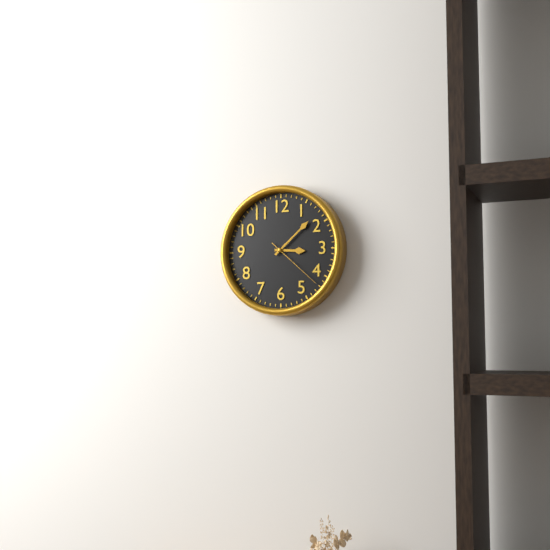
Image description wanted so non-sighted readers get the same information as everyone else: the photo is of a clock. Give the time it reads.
3:08:22
